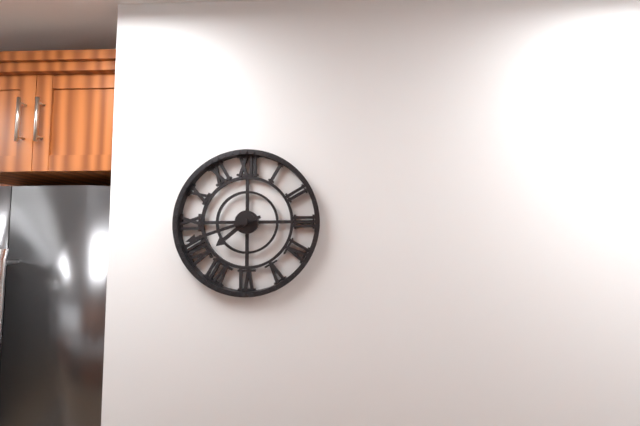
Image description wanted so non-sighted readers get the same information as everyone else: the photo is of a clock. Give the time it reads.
7:42
